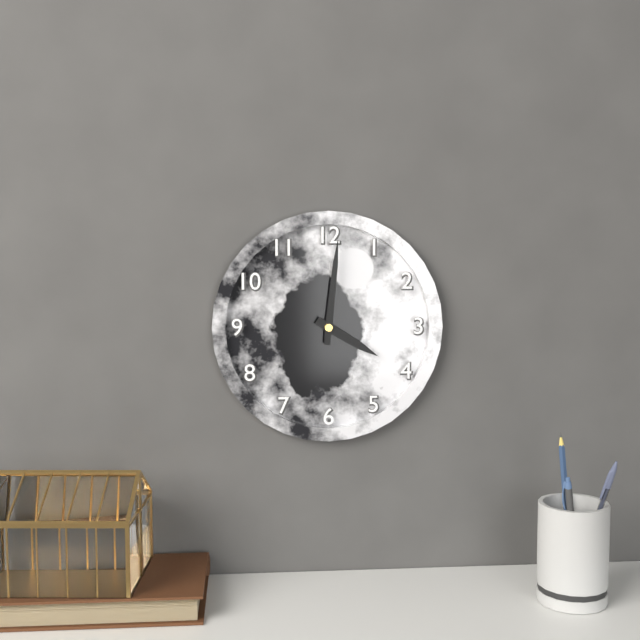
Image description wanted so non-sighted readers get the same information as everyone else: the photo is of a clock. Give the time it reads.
4:01
